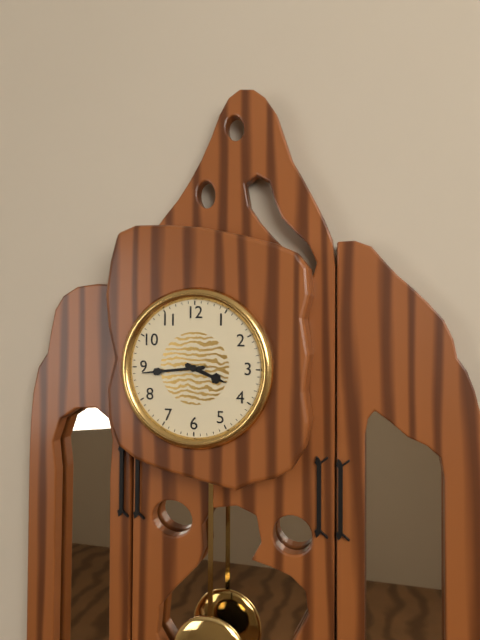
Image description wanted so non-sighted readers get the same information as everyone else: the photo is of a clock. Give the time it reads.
3:44
